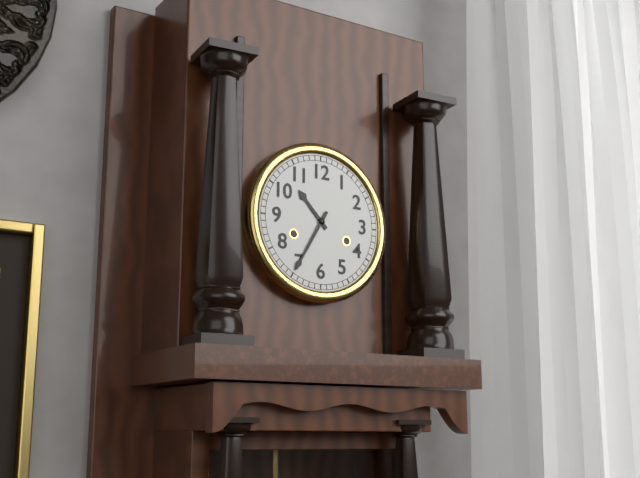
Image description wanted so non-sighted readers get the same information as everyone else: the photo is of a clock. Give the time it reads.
10:35
